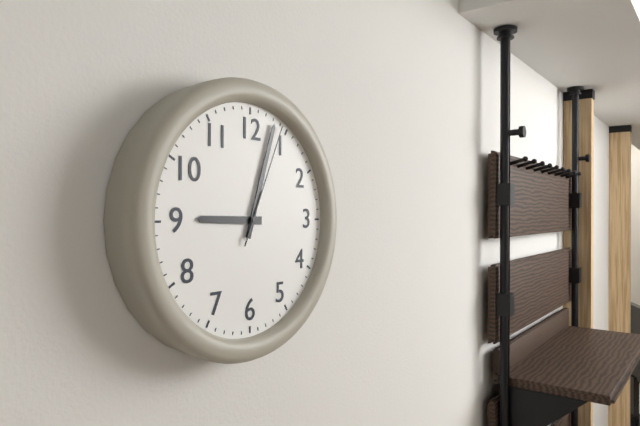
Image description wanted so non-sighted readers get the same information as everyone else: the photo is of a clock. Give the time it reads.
9:03:04
